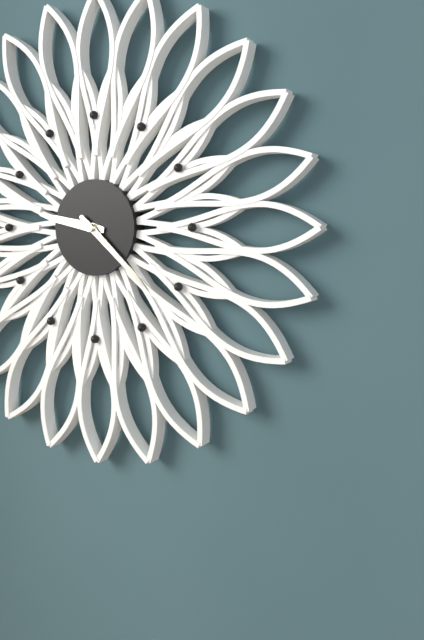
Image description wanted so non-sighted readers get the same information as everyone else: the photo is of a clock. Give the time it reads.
9:22
